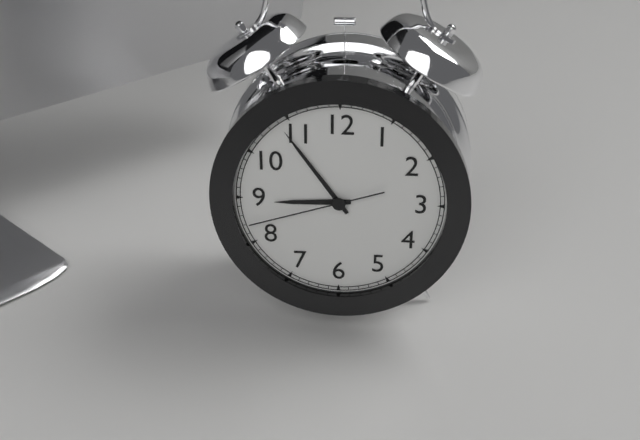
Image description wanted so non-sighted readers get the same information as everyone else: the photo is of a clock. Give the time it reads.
8:54:42
